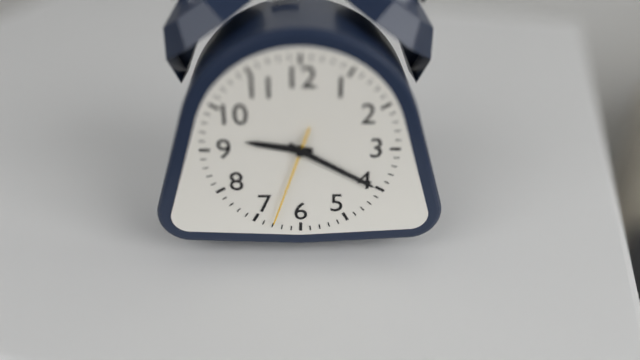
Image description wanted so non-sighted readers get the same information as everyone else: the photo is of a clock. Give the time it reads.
9:20:33
